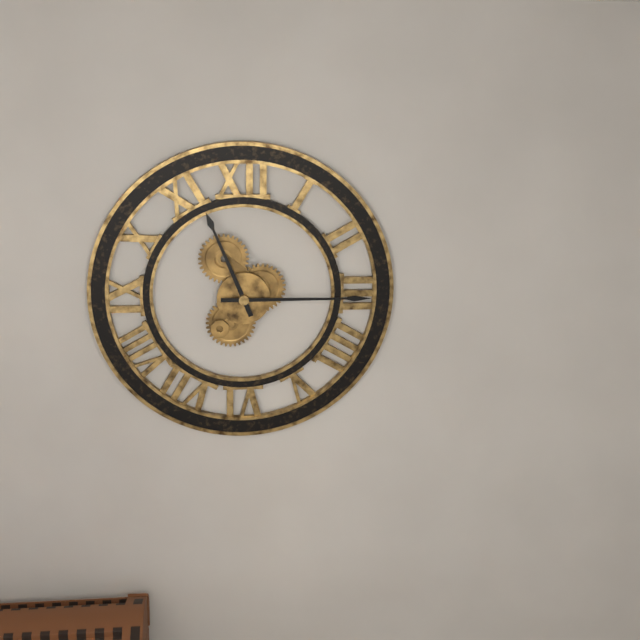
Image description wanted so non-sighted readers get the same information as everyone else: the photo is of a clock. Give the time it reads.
11:15
